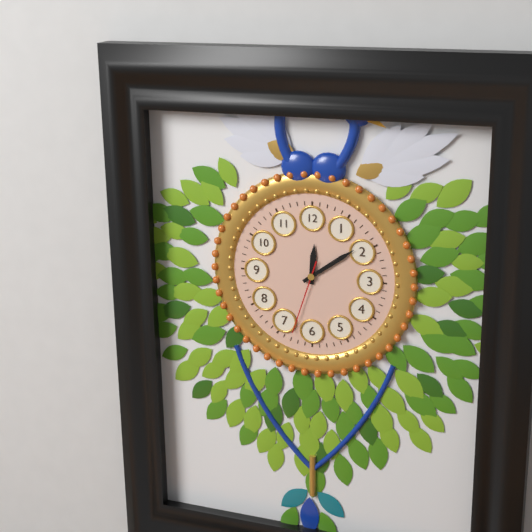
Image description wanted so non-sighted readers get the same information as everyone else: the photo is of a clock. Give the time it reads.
12:09:33
